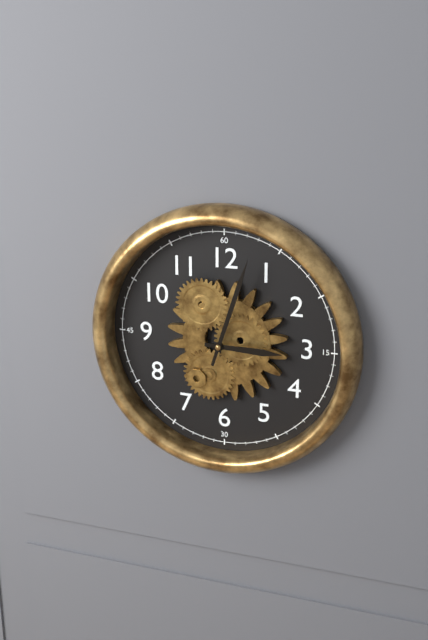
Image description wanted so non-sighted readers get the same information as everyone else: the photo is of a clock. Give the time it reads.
3:03
